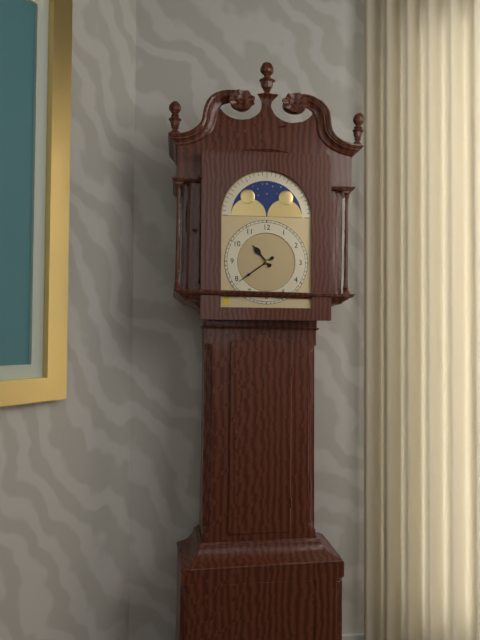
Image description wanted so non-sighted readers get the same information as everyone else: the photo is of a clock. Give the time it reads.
10:39
